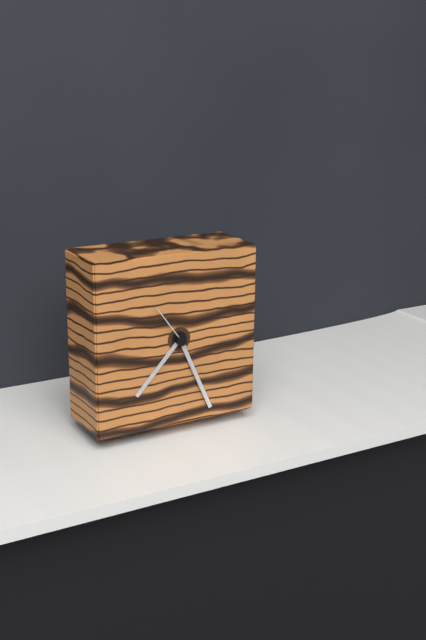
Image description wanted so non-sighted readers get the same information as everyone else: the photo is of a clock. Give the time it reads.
7:26:54
